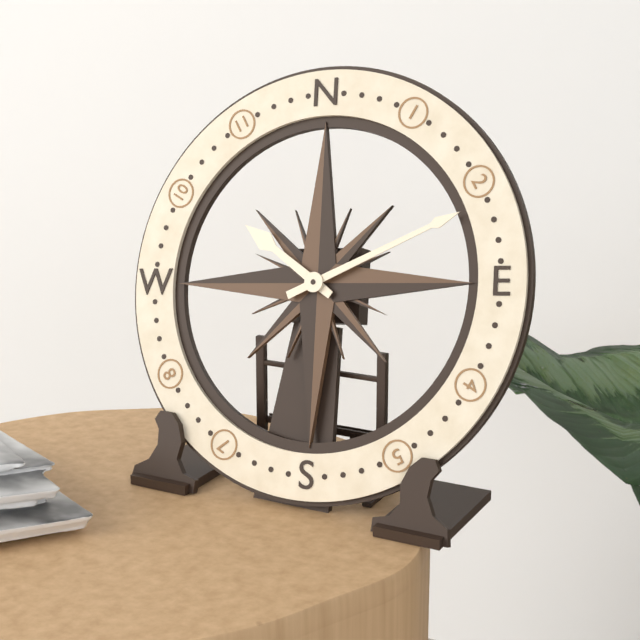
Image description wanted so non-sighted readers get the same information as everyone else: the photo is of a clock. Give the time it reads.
10:11
